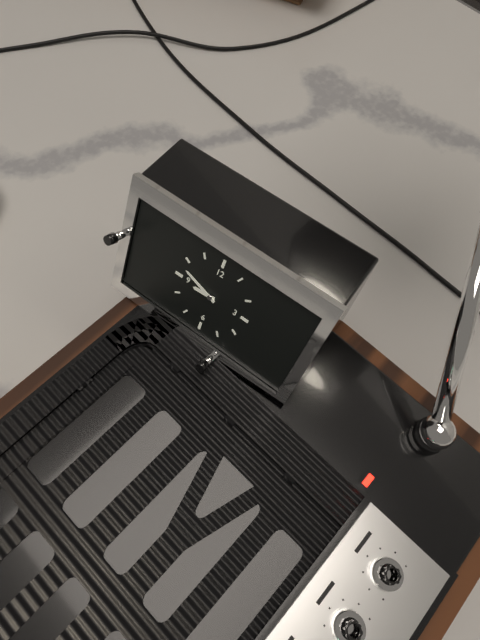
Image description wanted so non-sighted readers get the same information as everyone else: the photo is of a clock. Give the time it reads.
8:48
